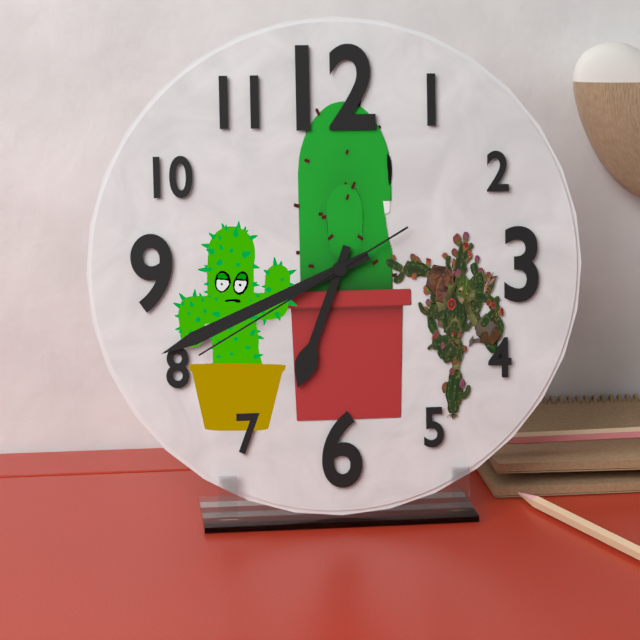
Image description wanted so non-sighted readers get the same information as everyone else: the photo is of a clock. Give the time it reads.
6:41:40
